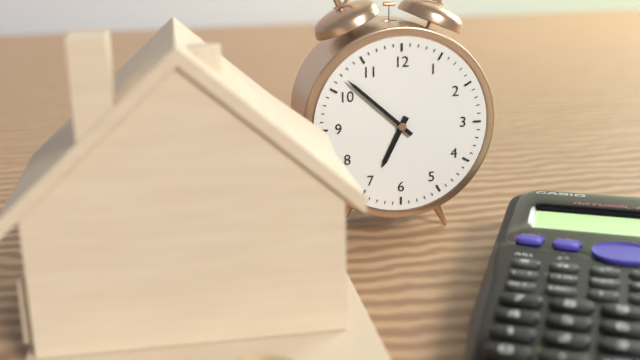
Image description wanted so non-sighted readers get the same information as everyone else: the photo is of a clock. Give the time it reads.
6:52
